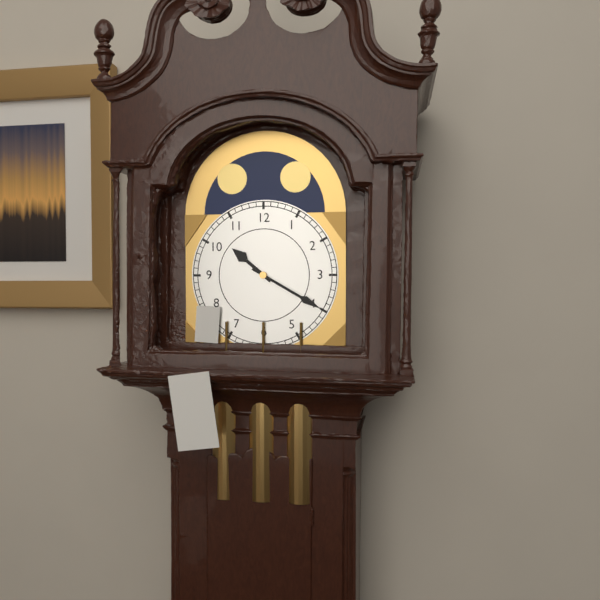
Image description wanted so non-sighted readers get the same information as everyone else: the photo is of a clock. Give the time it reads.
10:20
